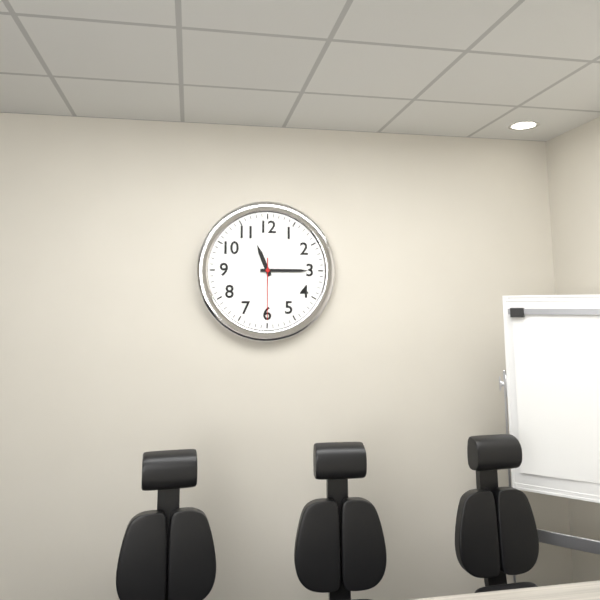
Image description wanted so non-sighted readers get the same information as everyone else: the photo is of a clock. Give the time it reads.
11:15:30
